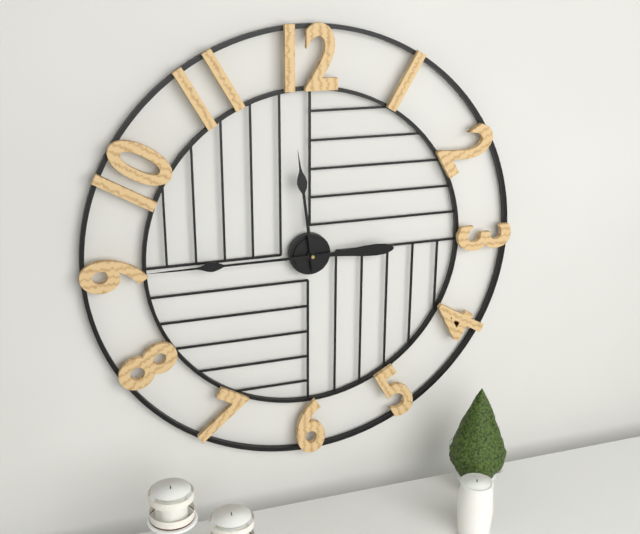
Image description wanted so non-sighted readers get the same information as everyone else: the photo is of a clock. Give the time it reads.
11:45
